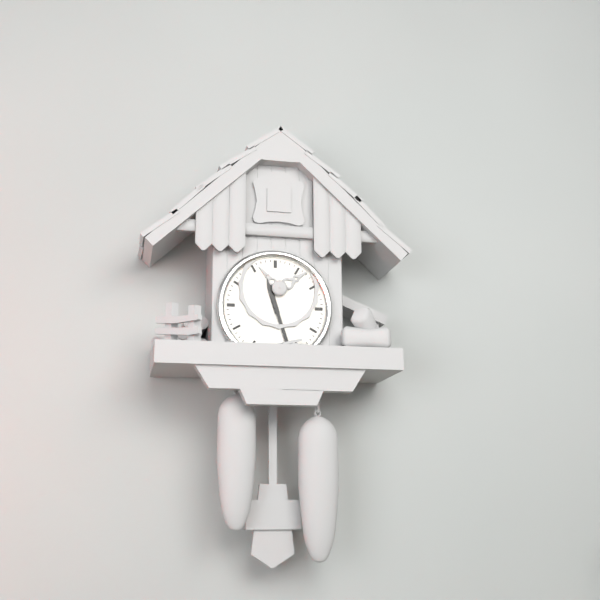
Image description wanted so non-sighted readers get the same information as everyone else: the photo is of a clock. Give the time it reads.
11:27
